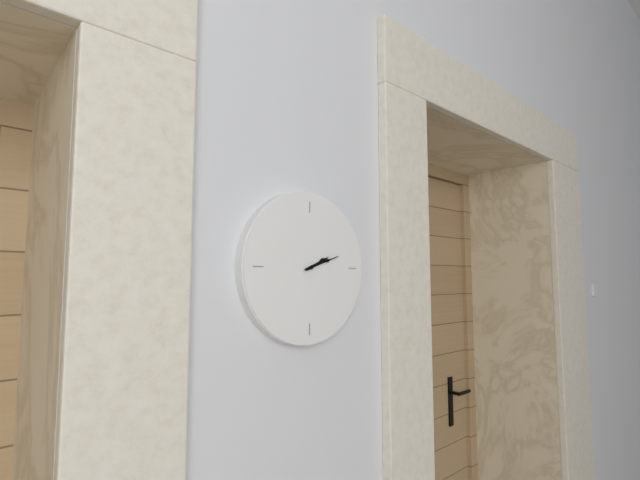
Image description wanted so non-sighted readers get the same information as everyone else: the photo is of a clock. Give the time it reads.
2:12
